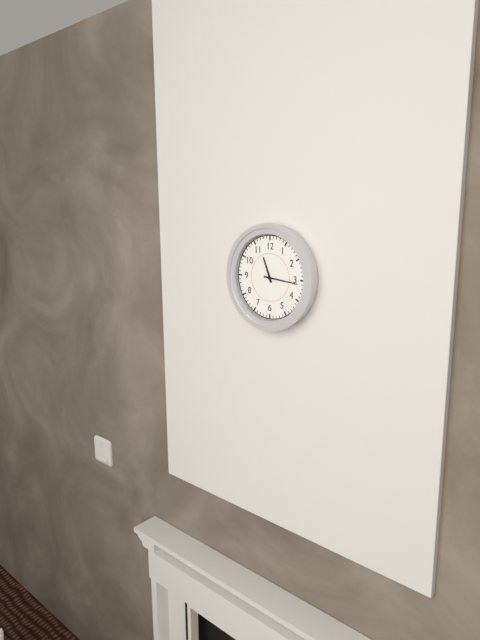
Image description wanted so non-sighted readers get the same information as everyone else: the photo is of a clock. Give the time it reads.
11:16
